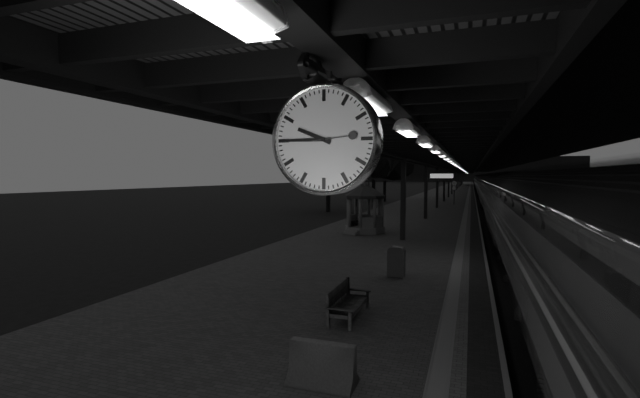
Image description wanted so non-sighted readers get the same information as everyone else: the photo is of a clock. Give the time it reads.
9:45
